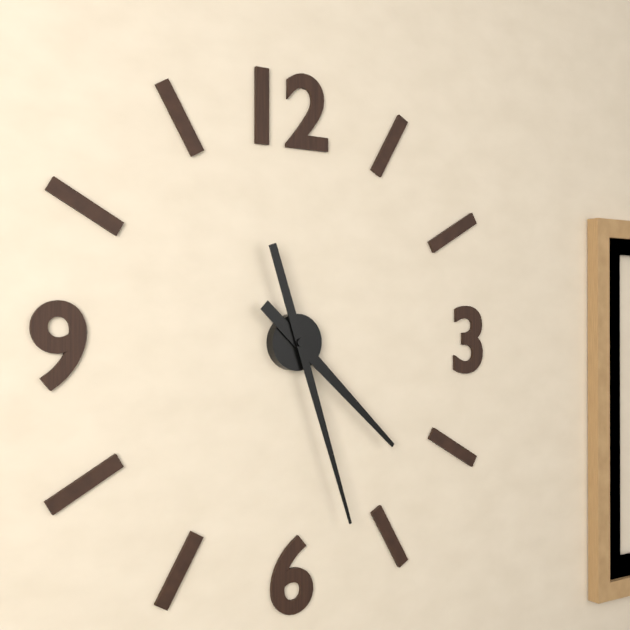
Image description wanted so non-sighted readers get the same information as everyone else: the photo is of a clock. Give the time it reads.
4:27
